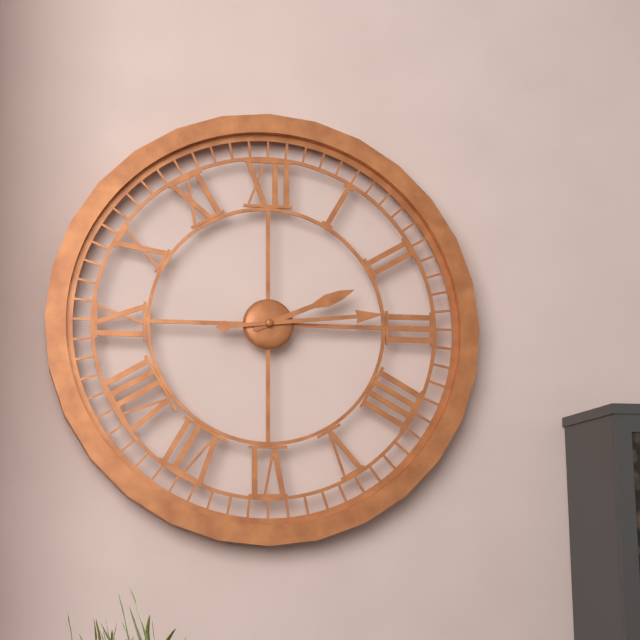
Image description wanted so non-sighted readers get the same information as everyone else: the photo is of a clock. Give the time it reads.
2:14
